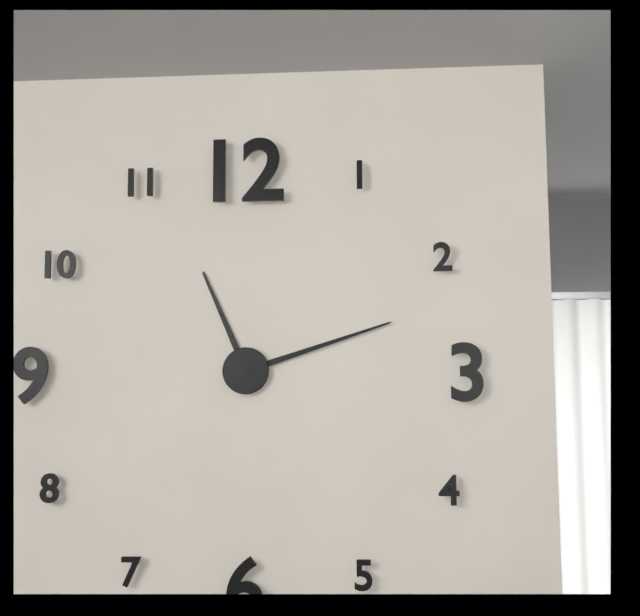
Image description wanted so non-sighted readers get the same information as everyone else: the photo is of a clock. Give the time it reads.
11:12
